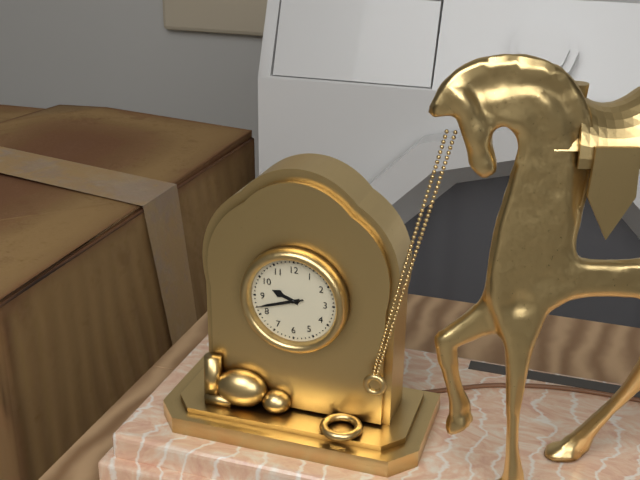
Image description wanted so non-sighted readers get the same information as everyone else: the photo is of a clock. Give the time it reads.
9:42
